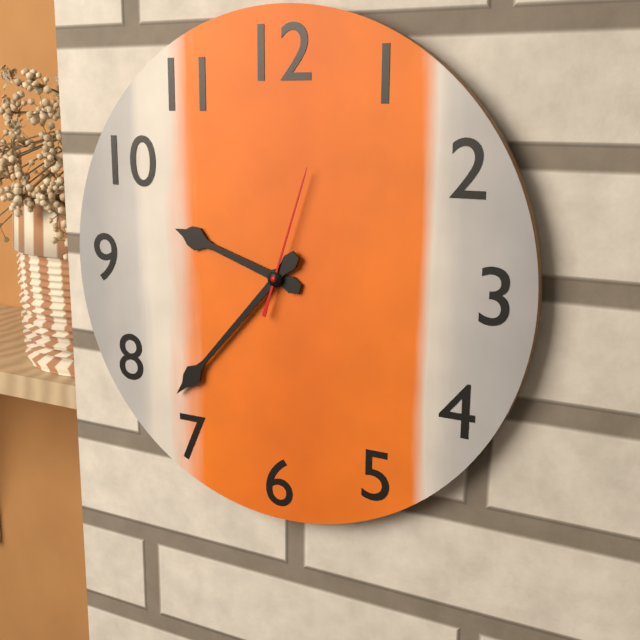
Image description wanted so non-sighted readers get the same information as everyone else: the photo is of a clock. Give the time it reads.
9:37:03
